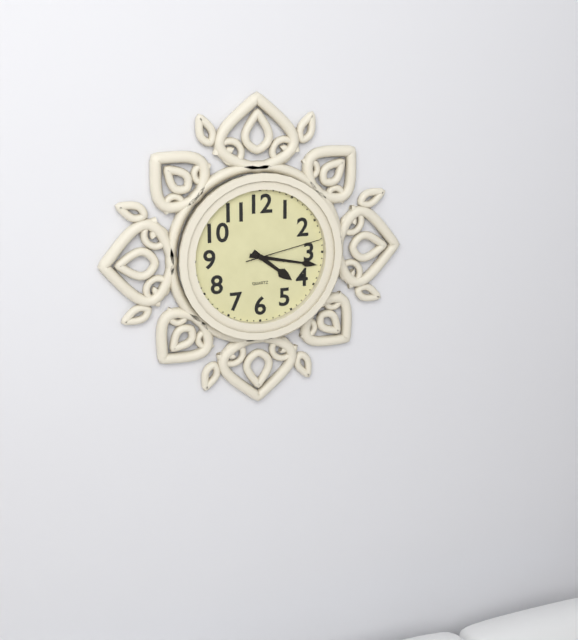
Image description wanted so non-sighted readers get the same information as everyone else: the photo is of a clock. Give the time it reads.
4:17:13
